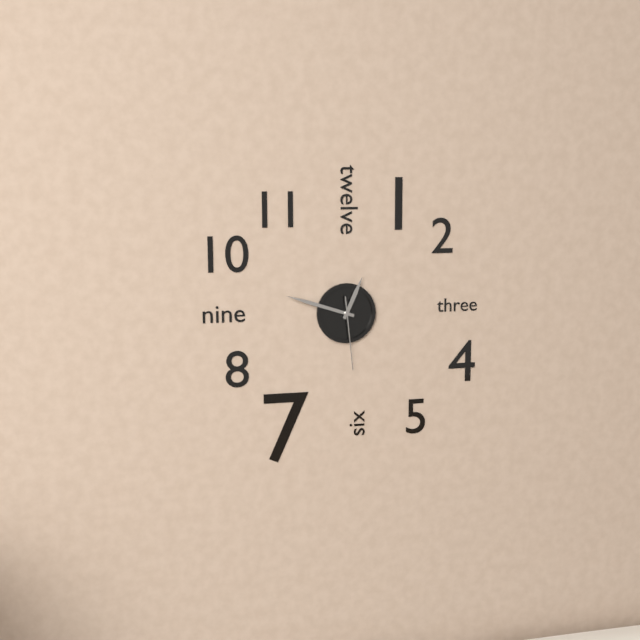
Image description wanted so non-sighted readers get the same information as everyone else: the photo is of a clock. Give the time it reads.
12:48:29
